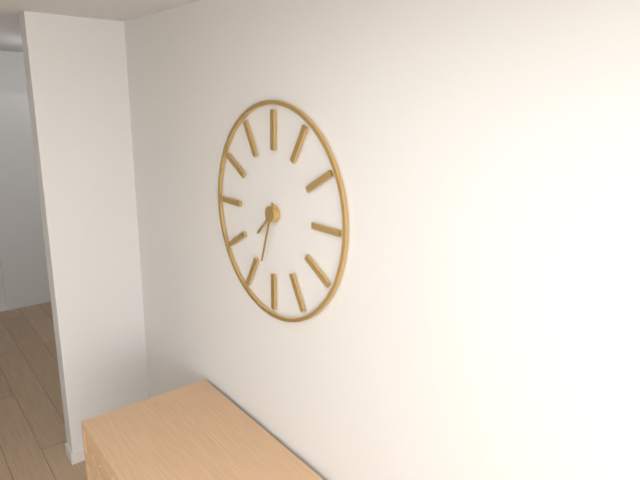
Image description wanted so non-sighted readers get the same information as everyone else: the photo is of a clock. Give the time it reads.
7:33
